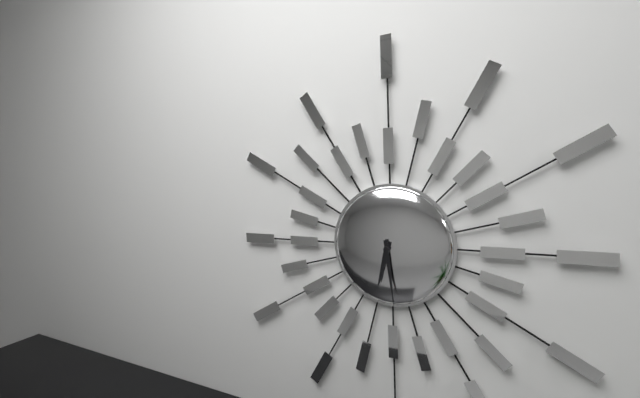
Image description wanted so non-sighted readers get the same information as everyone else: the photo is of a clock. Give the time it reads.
6:29
